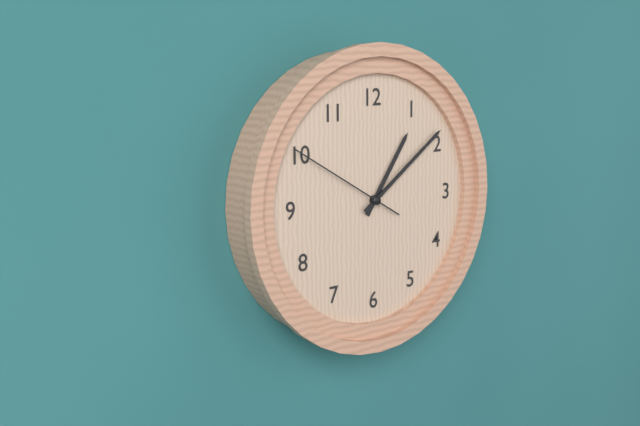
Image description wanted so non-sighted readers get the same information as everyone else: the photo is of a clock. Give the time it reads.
1:09:50
